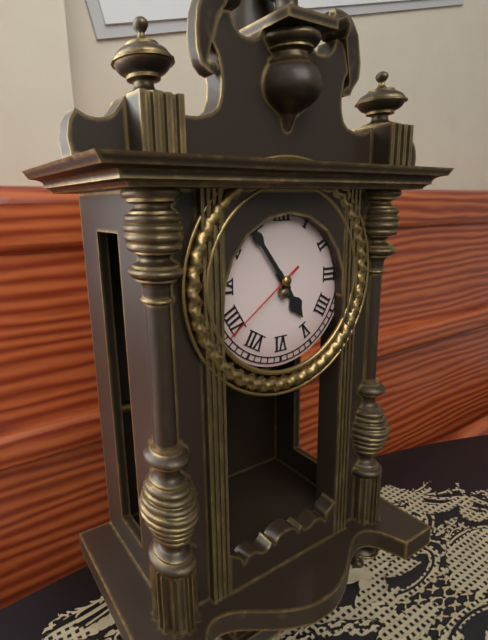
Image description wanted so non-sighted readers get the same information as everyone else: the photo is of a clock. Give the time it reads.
4:54:39
